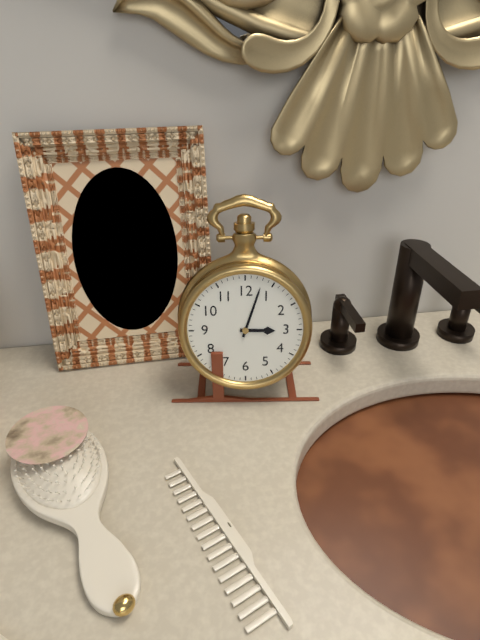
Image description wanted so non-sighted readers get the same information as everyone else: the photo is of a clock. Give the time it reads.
3:03
